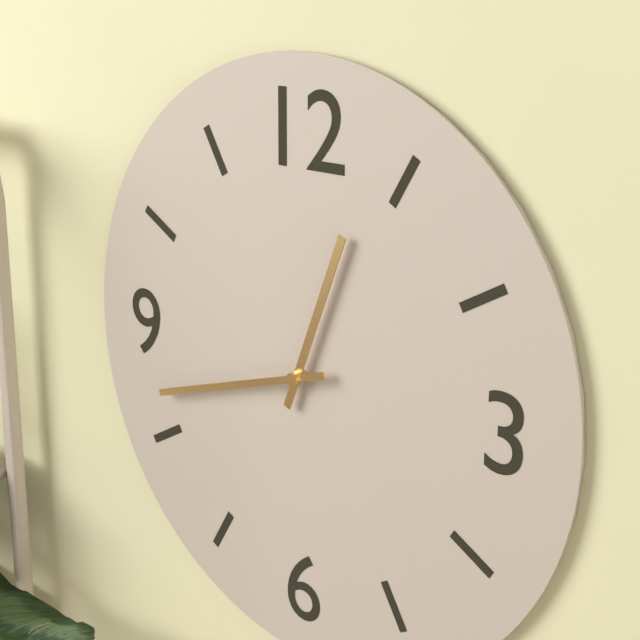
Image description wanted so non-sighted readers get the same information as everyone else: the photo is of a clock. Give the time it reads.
12:42
